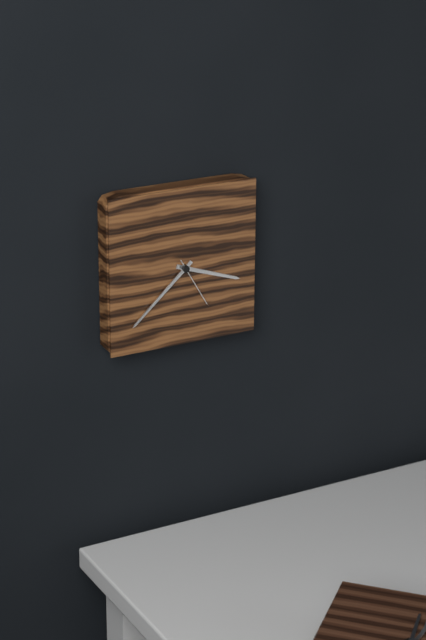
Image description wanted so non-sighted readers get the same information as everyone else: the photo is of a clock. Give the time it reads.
3:38:25
